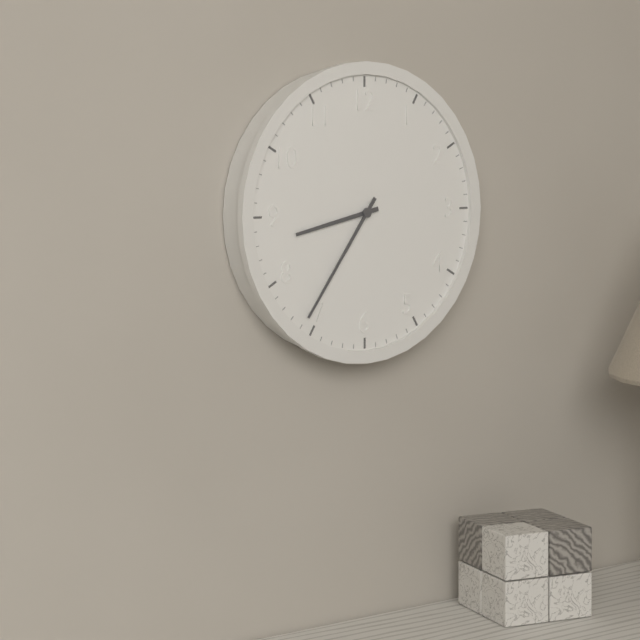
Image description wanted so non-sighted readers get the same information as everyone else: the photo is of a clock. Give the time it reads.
8:36
